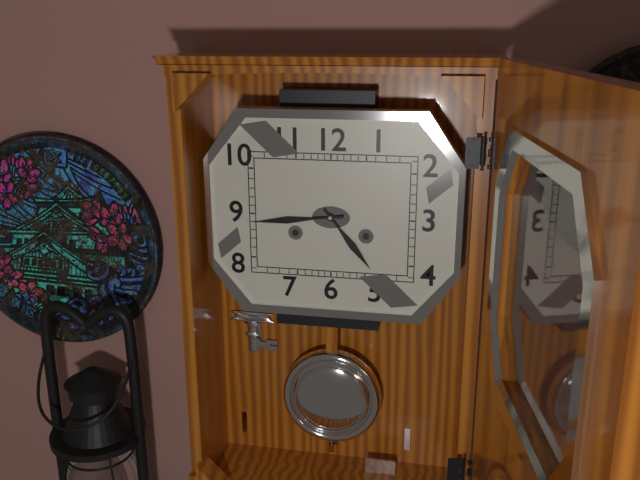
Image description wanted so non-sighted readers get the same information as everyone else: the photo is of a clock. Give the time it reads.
4:44
